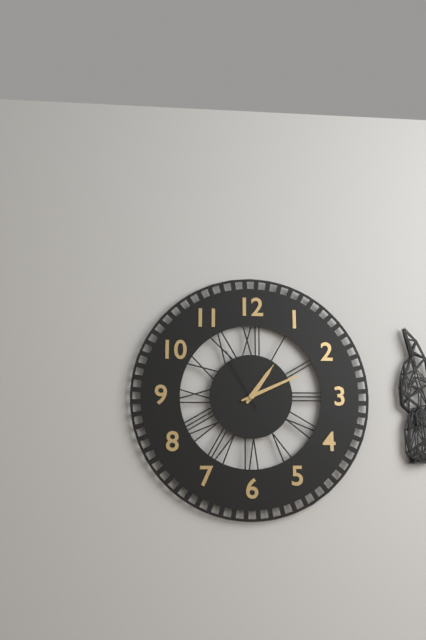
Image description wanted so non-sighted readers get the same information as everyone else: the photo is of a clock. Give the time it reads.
1:11:55
